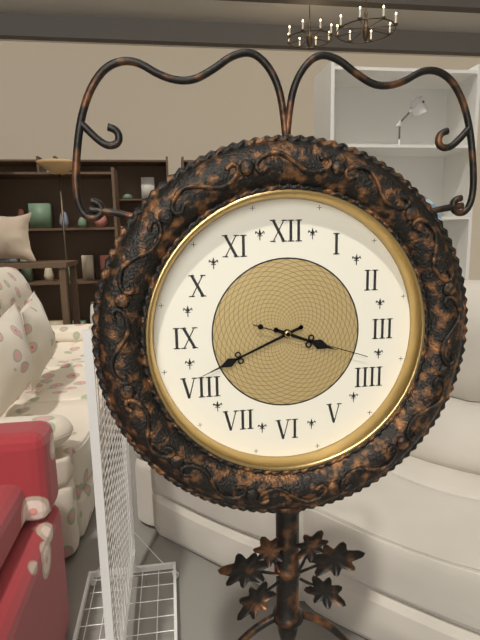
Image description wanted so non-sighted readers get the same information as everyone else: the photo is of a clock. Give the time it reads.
3:41:18
